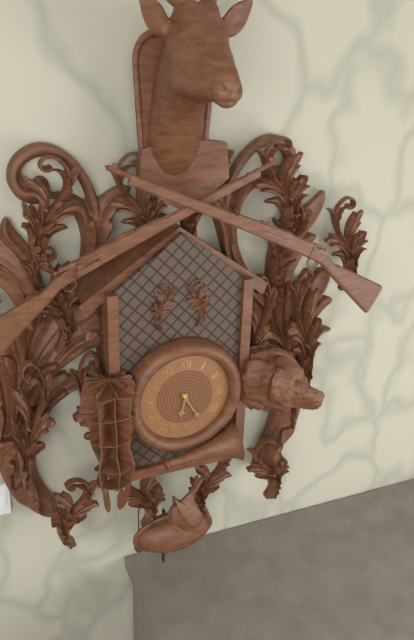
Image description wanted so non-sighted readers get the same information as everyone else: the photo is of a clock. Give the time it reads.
6:25
